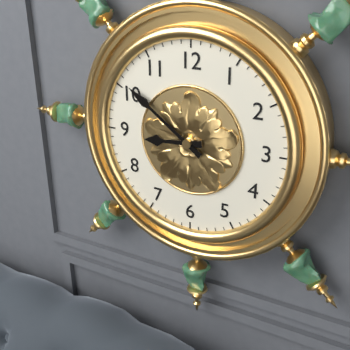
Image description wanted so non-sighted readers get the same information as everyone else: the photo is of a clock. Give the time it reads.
8:51
